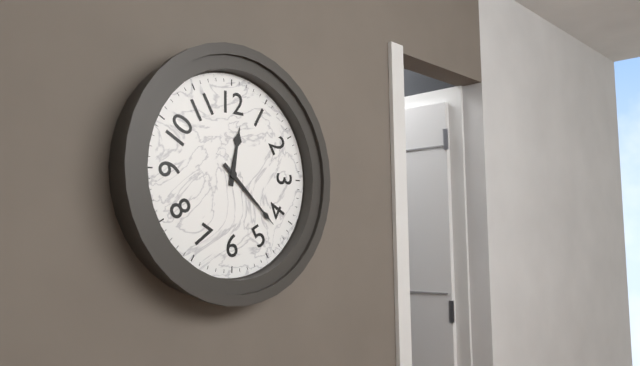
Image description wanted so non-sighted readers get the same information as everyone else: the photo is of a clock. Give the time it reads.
12:22
